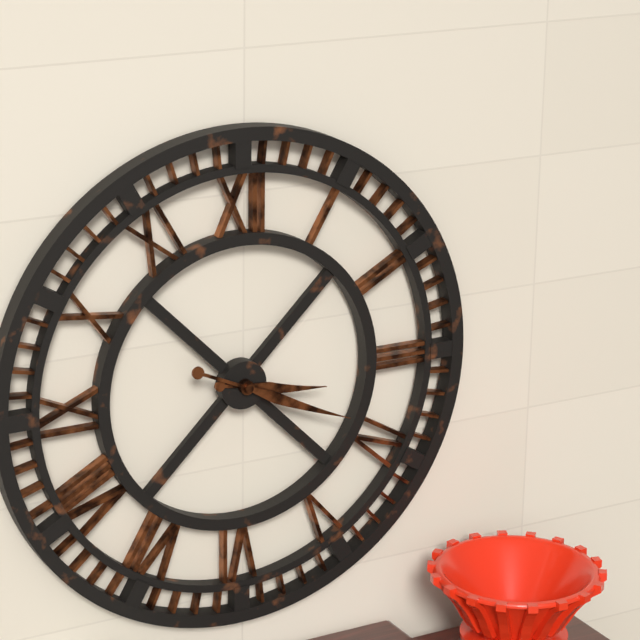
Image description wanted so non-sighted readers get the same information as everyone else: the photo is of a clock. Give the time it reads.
3:19
